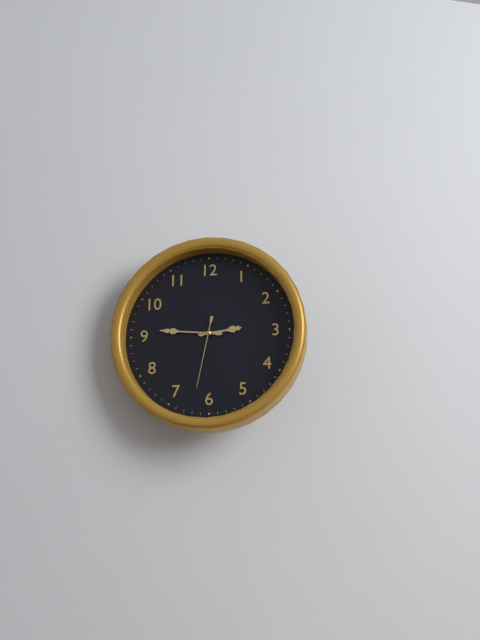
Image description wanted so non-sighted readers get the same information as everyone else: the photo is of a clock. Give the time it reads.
2:46:32
